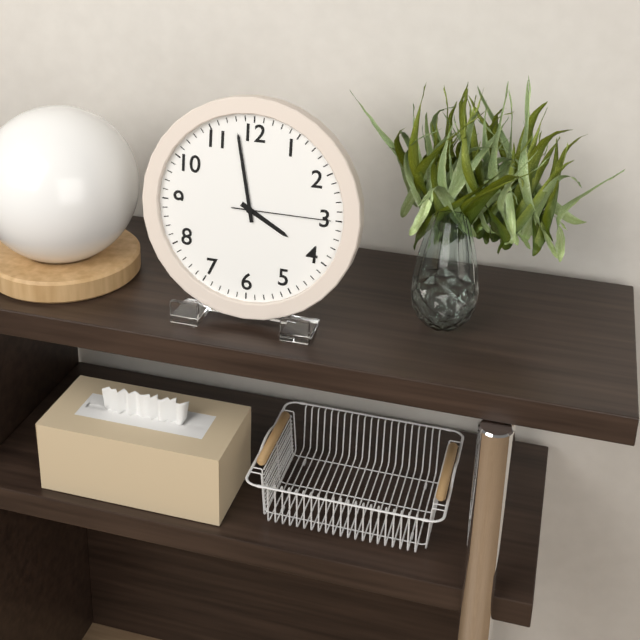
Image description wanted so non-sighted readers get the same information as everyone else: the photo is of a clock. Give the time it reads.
3:58:15
